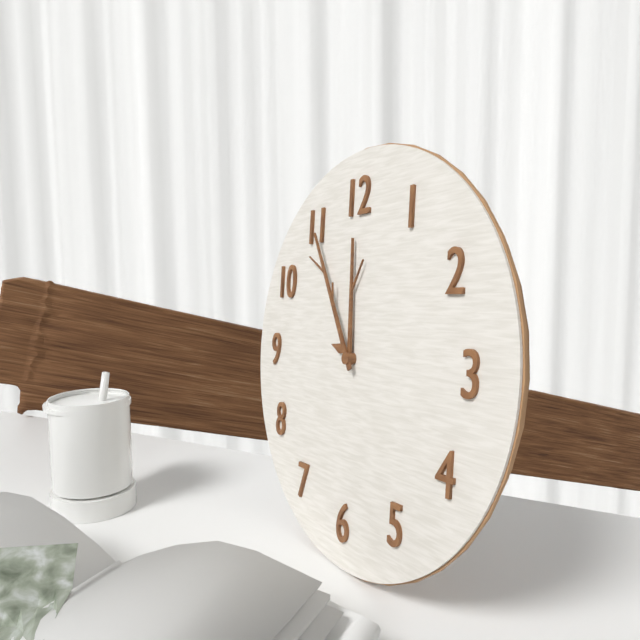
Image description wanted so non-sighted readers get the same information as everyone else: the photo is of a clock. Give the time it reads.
11:55
